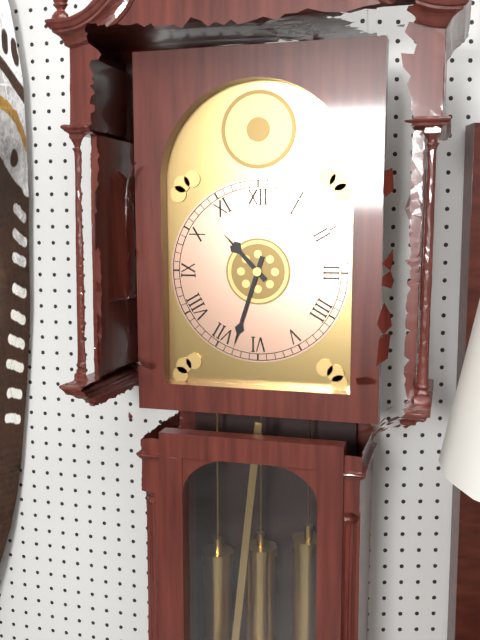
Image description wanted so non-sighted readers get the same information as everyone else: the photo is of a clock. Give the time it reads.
10:33
